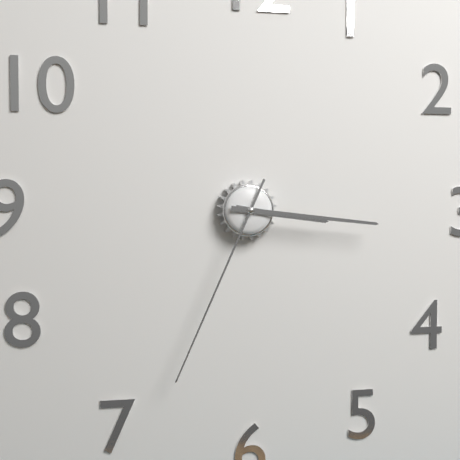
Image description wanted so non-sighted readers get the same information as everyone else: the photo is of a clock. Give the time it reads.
3:16:34
